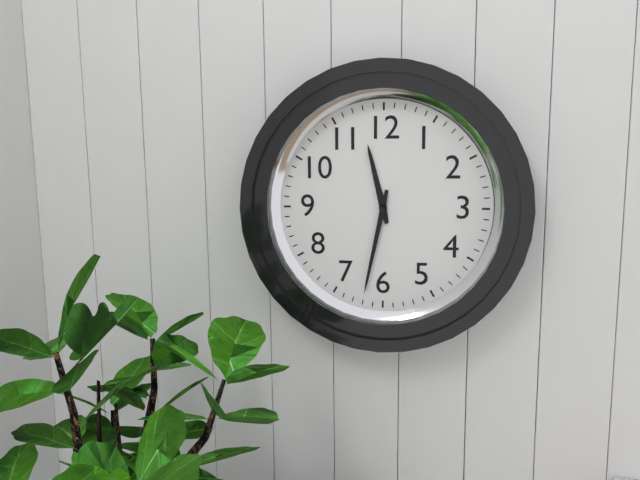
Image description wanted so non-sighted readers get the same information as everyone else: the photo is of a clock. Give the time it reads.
11:32
